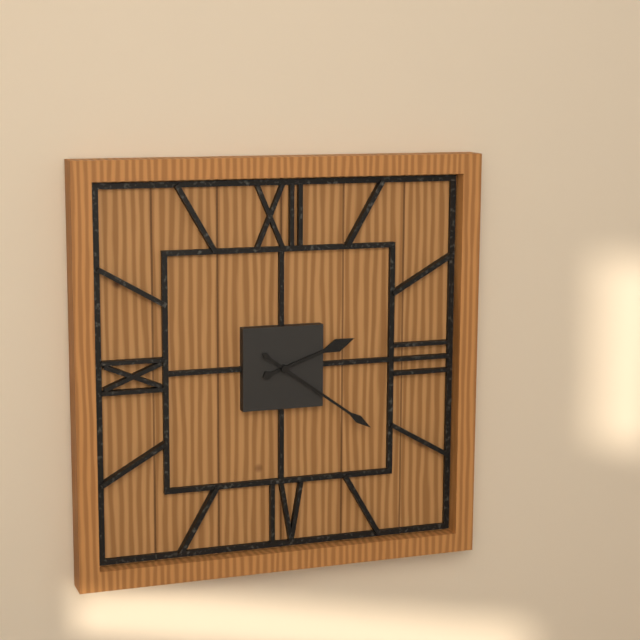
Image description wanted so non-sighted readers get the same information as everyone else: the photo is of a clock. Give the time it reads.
2:21
